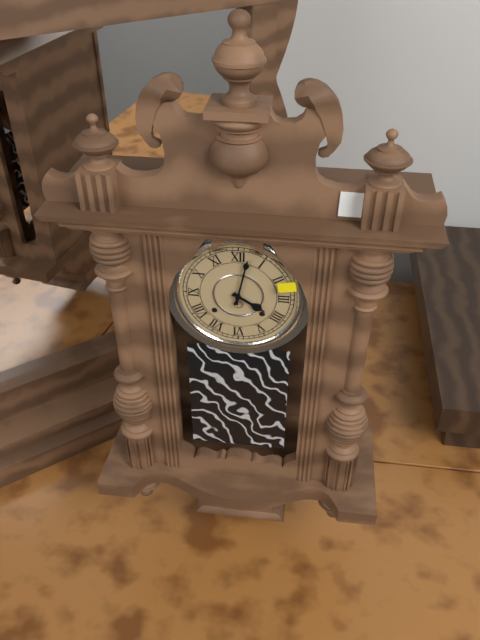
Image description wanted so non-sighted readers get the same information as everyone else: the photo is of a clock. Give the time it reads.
4:02
